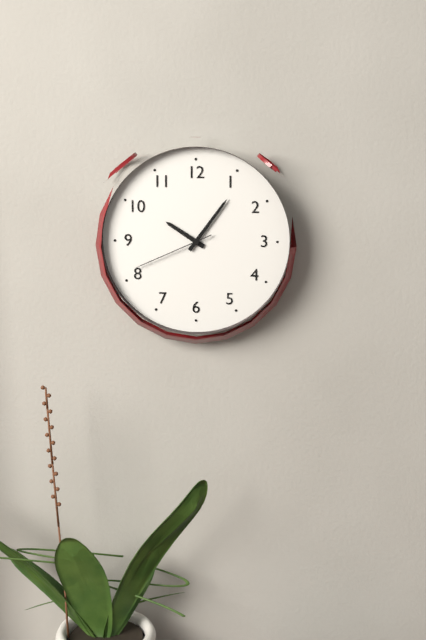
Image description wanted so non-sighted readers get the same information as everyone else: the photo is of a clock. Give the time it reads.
10:06:41
